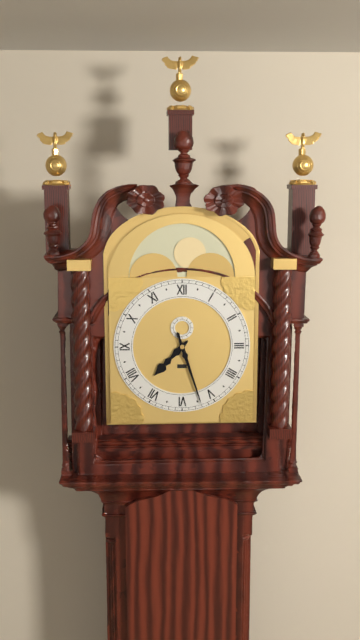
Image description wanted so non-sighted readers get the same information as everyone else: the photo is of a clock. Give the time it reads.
7:27
